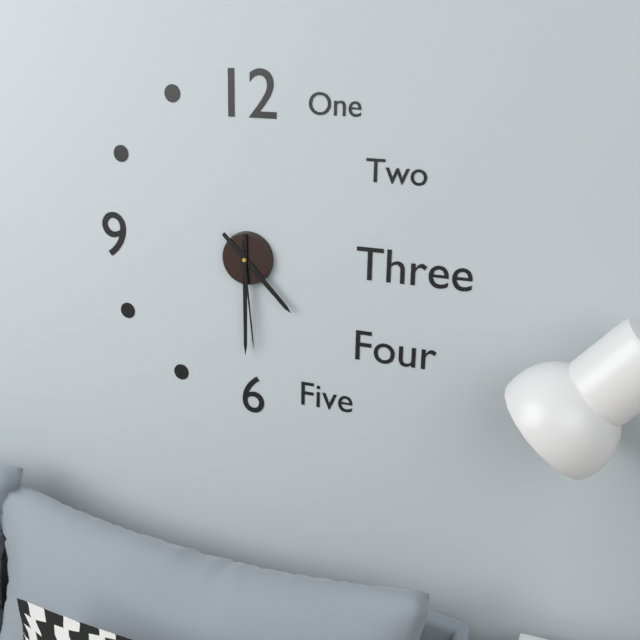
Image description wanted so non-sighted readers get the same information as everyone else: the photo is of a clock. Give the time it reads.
4:30:29
